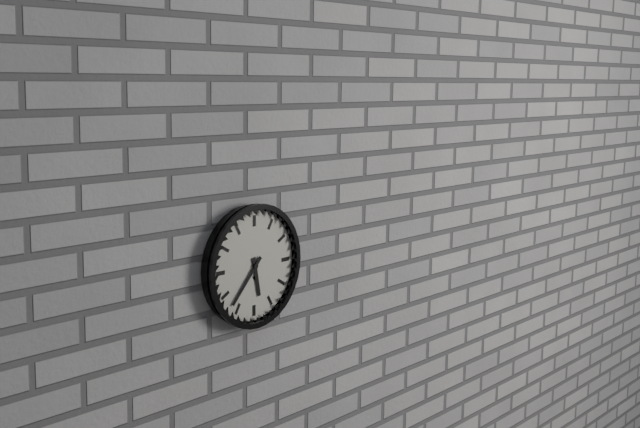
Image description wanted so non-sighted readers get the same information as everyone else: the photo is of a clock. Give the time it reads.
5:37
